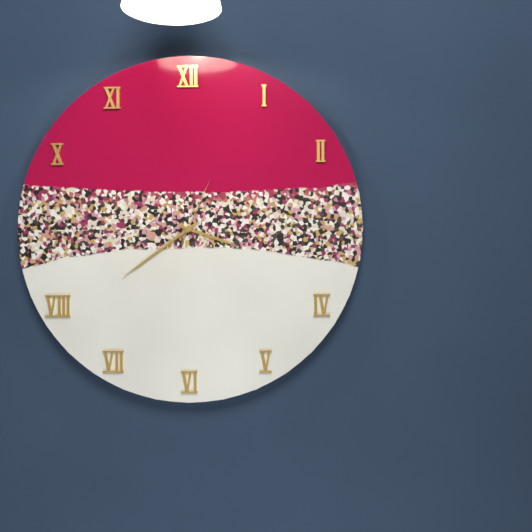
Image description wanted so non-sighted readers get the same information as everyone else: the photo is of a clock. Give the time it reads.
3:39:04
